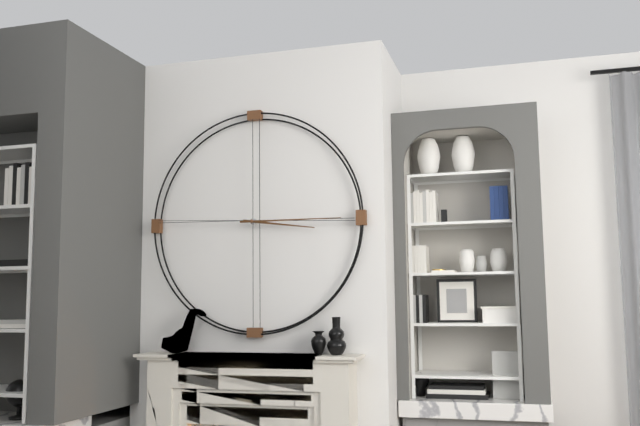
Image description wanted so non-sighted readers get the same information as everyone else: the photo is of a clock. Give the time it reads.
3:15
